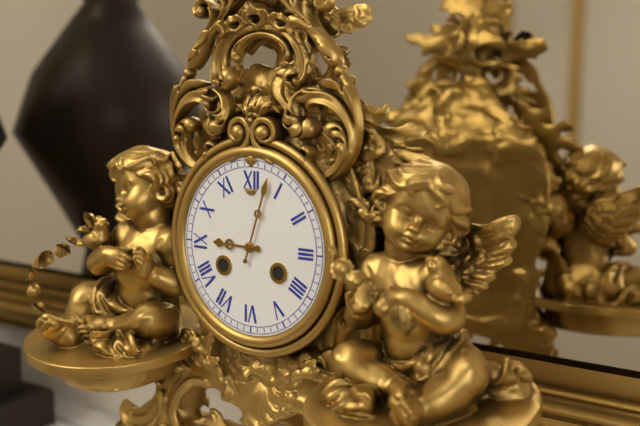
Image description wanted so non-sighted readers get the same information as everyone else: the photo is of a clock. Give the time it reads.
9:03
